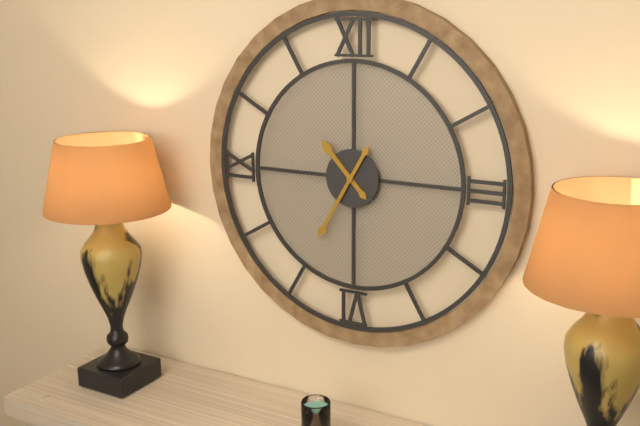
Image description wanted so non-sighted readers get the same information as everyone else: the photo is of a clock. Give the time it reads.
10:35
